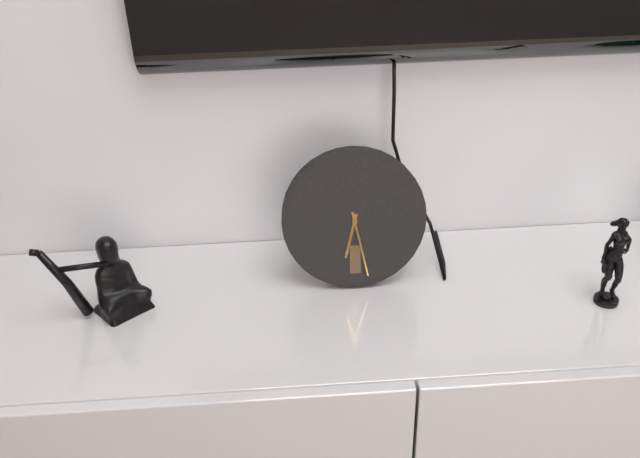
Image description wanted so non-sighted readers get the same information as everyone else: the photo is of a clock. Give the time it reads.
6:28
